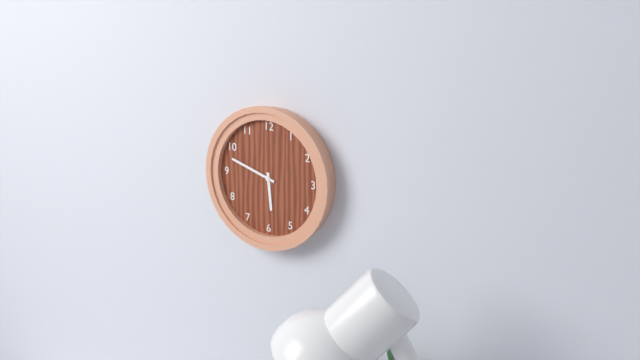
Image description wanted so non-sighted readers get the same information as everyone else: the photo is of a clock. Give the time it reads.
5:48
